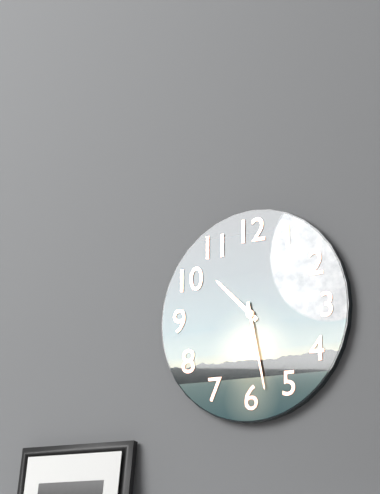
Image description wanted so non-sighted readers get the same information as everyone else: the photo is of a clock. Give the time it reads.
10:28
